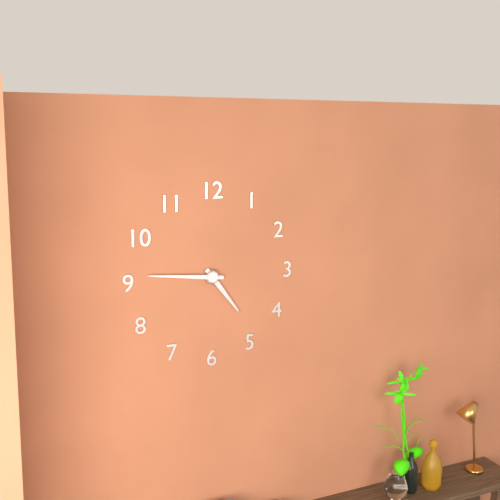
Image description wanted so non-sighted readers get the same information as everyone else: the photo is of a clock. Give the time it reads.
4:46
